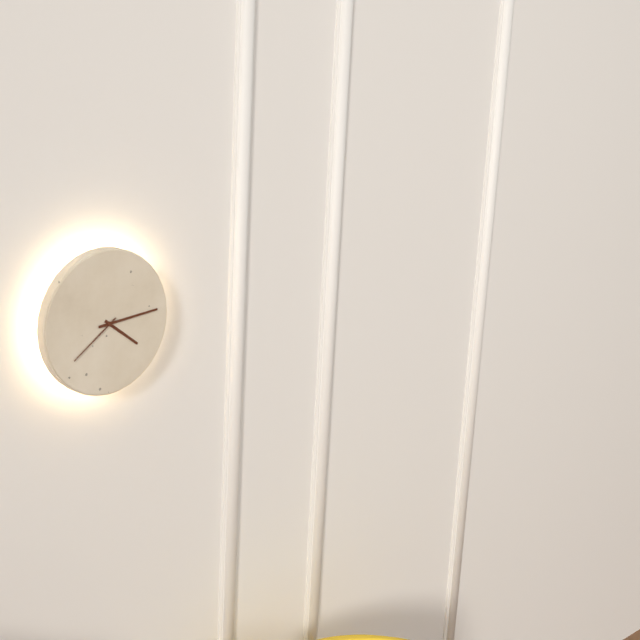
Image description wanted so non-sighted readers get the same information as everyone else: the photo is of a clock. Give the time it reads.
4:14:39
